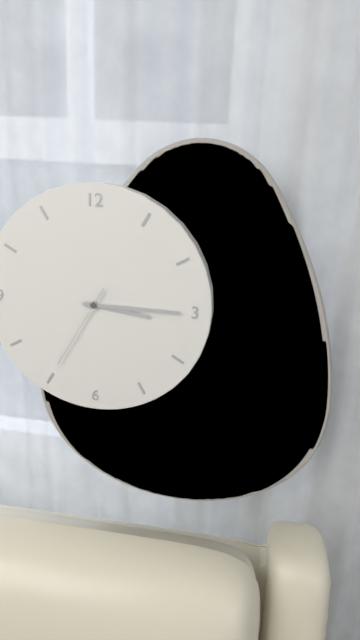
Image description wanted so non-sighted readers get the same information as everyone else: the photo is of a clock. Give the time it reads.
3:15:35
